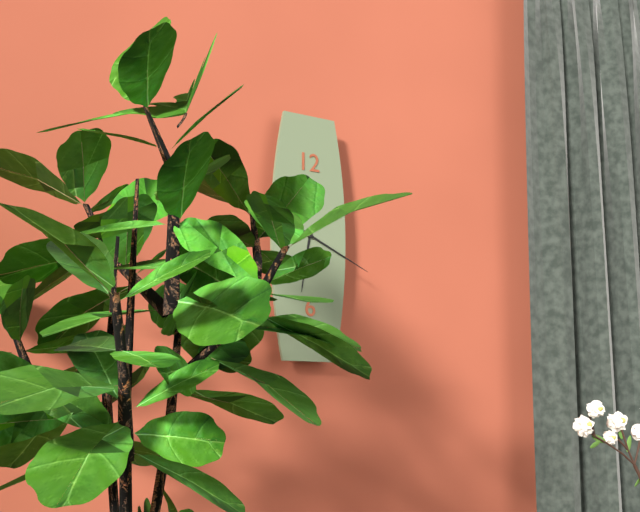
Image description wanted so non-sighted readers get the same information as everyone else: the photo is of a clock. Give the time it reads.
6:19
